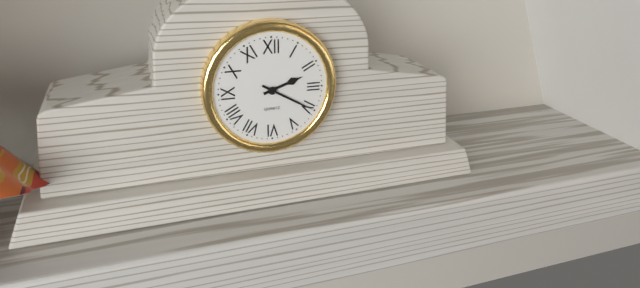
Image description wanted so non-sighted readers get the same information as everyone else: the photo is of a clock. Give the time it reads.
2:20
